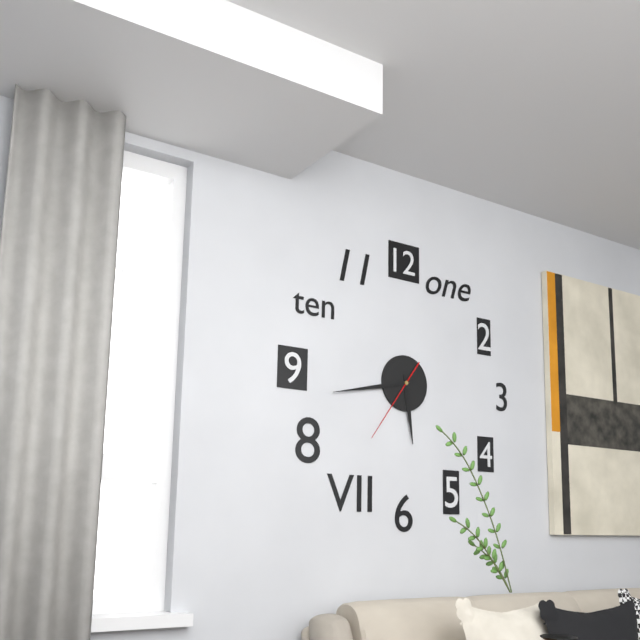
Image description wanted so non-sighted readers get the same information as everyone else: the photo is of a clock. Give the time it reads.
5:43:36
